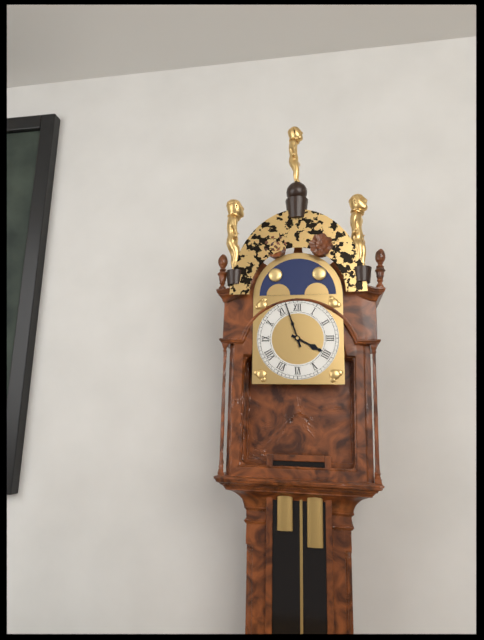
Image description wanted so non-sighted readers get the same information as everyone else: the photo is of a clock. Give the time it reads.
3:57
